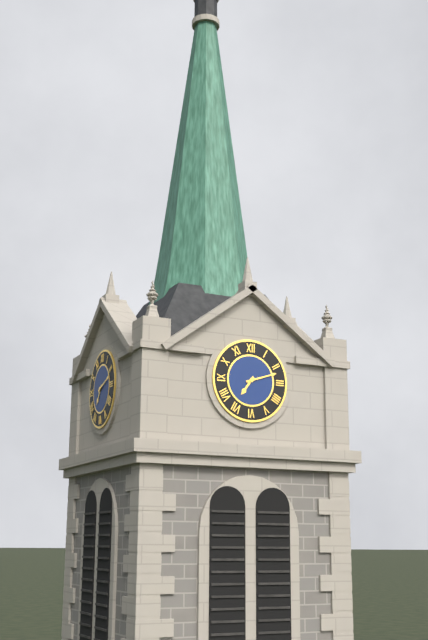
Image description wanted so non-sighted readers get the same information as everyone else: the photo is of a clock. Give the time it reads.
7:12
